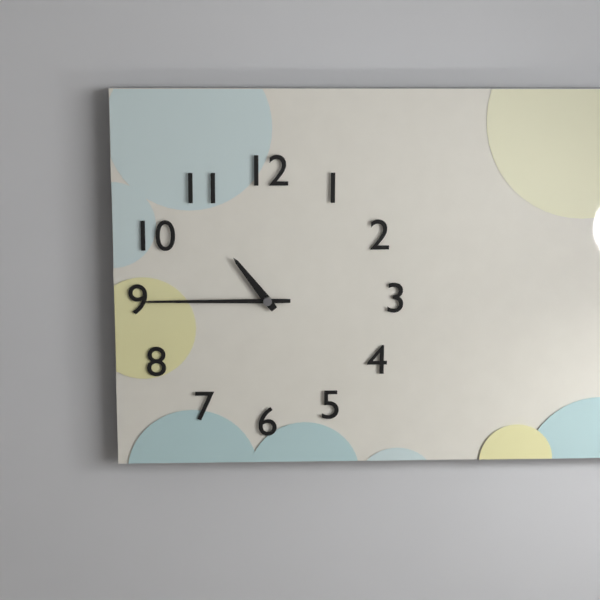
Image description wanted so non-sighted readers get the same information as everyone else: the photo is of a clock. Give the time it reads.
10:45
